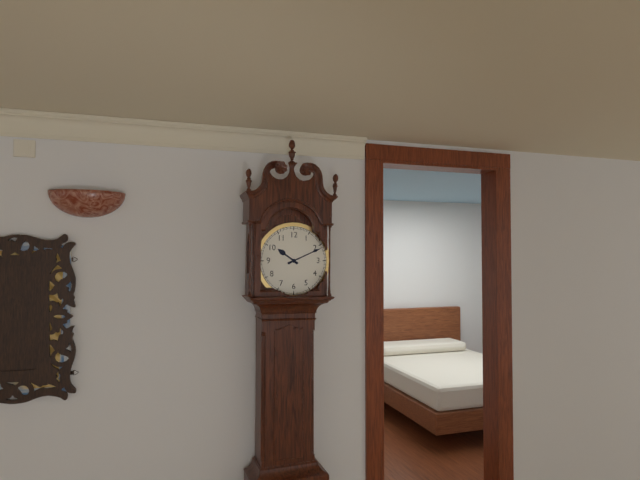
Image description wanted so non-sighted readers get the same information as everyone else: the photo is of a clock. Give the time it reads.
10:11
